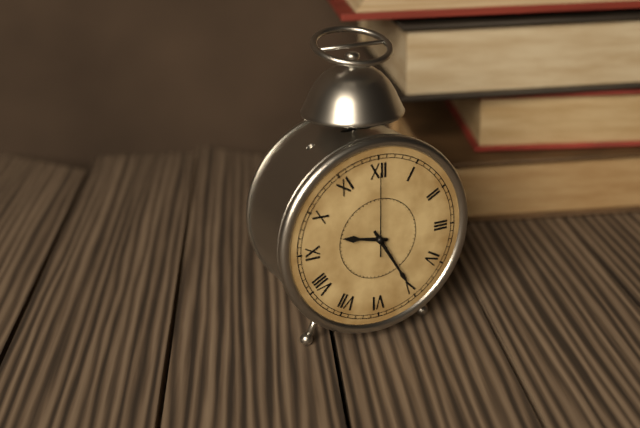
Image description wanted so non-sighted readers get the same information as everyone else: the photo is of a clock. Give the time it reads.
9:25:00
